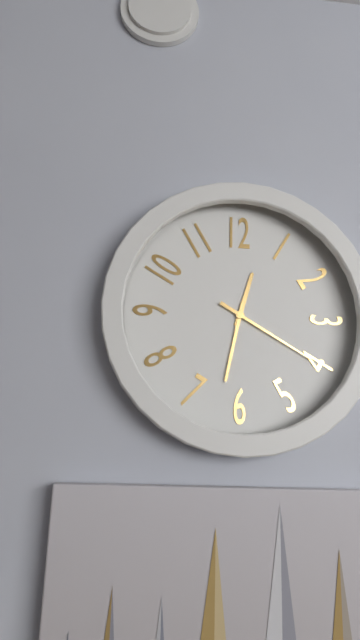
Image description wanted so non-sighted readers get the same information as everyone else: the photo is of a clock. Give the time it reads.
12:32:20
